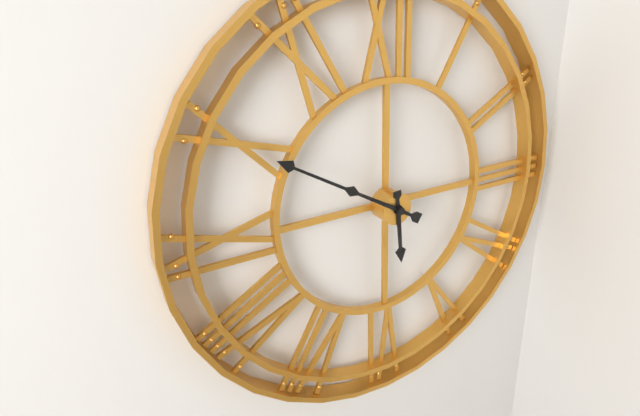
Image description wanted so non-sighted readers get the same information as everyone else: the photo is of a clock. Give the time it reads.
5:50
